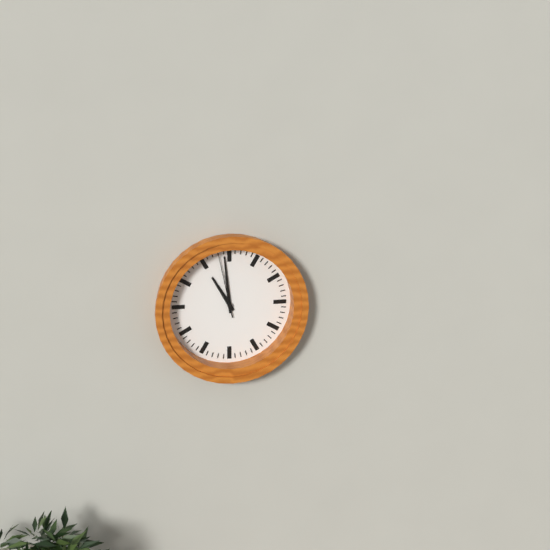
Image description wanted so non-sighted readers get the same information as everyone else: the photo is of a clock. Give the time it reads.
10:59:58
